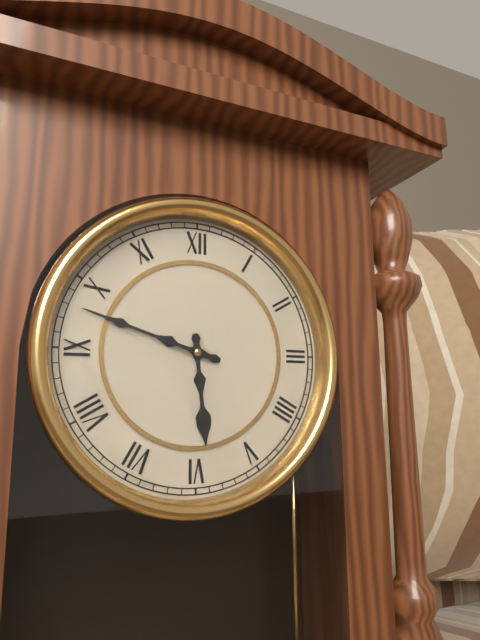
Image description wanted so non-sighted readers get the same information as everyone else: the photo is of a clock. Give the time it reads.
5:48
